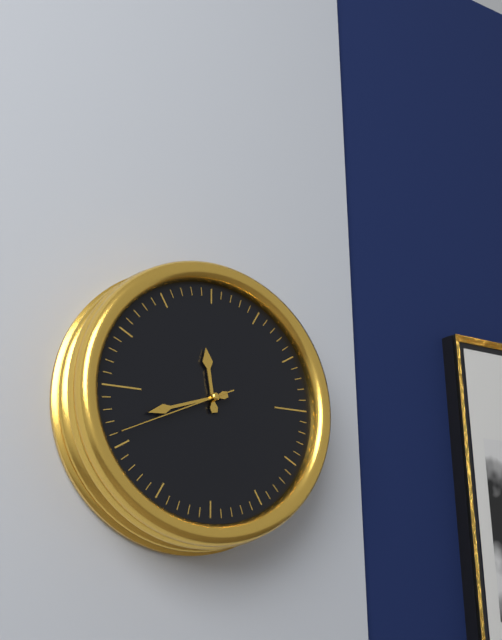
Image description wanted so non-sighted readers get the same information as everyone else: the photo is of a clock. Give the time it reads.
11:42:41
